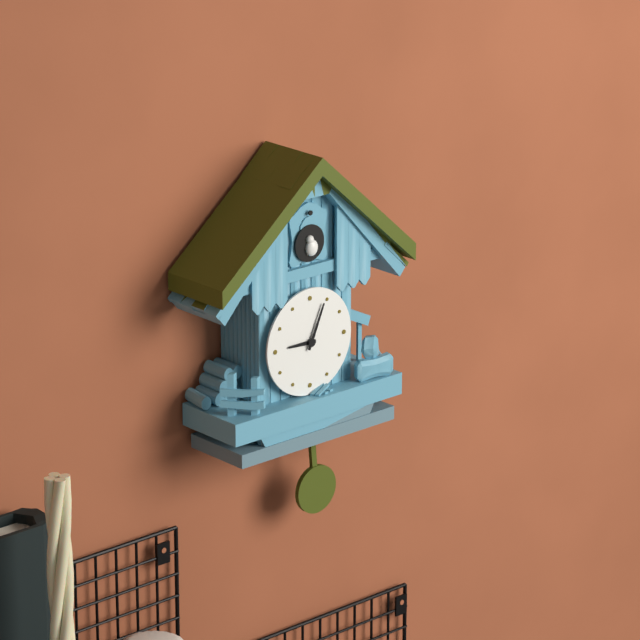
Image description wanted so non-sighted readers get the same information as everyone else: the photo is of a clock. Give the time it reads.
9:04
